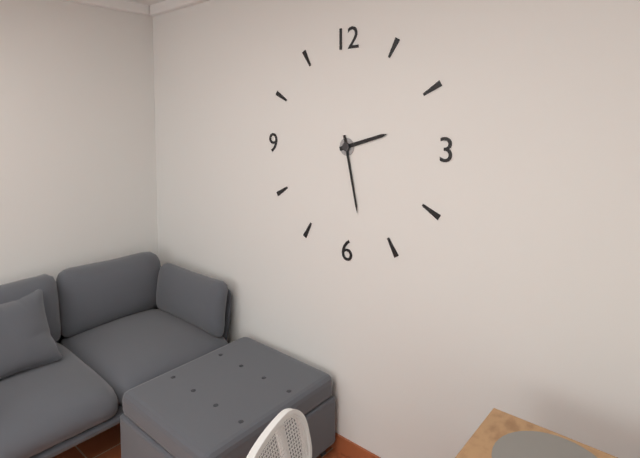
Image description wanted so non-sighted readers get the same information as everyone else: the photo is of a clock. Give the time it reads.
2:28
